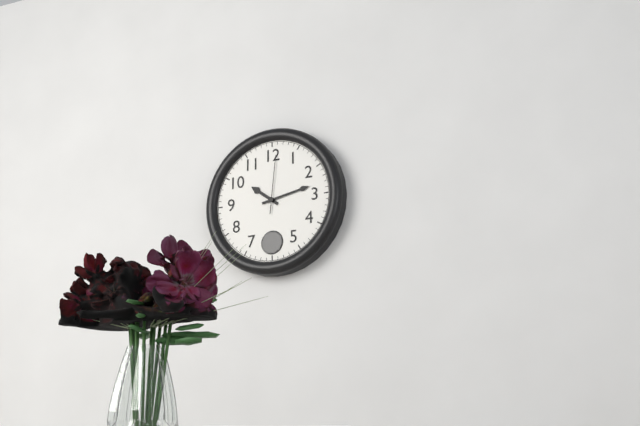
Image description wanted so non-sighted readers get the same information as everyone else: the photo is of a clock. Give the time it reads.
10:13:01
